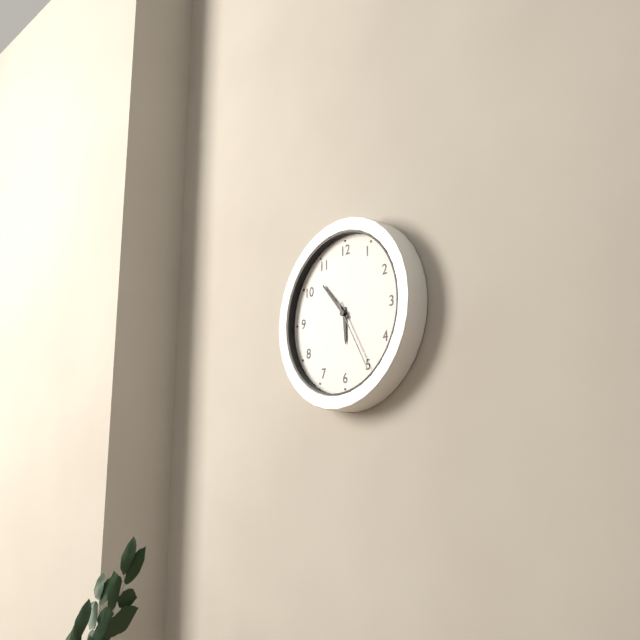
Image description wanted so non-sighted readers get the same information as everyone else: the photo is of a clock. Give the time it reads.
5:53:25
